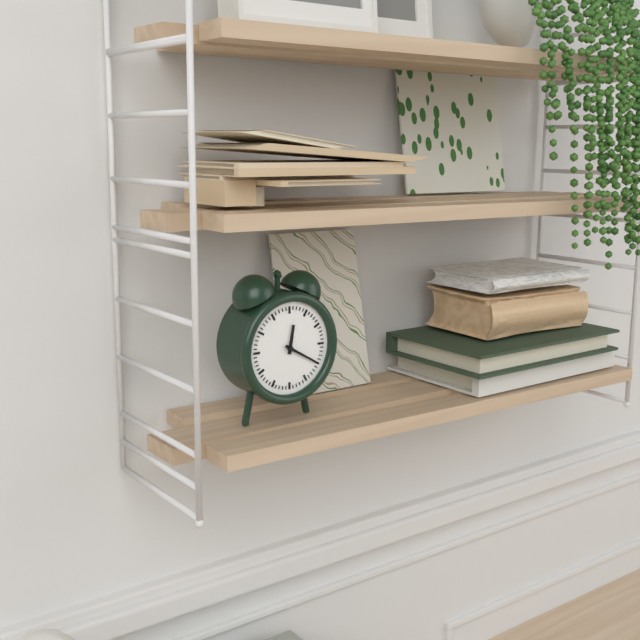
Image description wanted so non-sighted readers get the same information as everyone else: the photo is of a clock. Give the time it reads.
12:20
